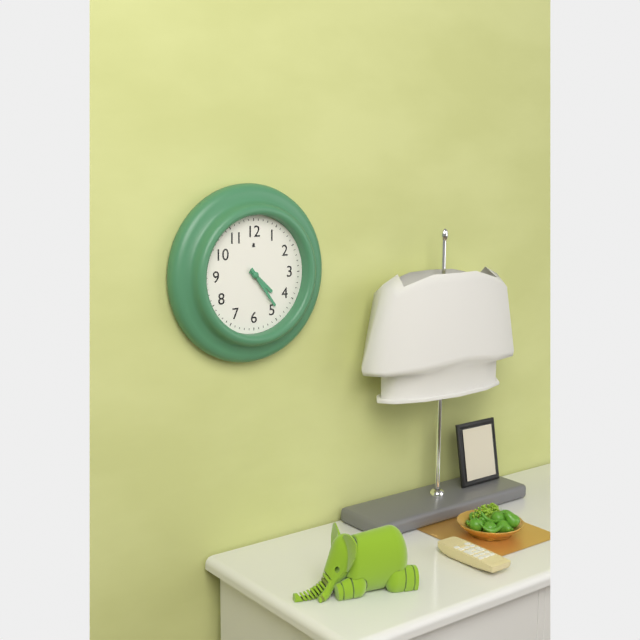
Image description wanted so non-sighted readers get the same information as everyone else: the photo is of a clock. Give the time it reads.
4:24
